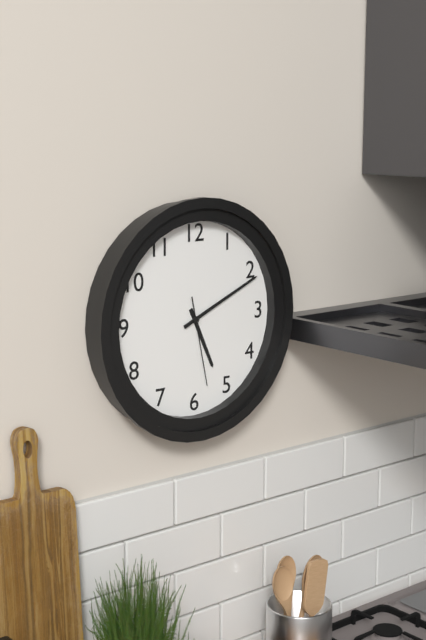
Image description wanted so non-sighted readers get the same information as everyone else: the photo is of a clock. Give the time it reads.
5:11:28
